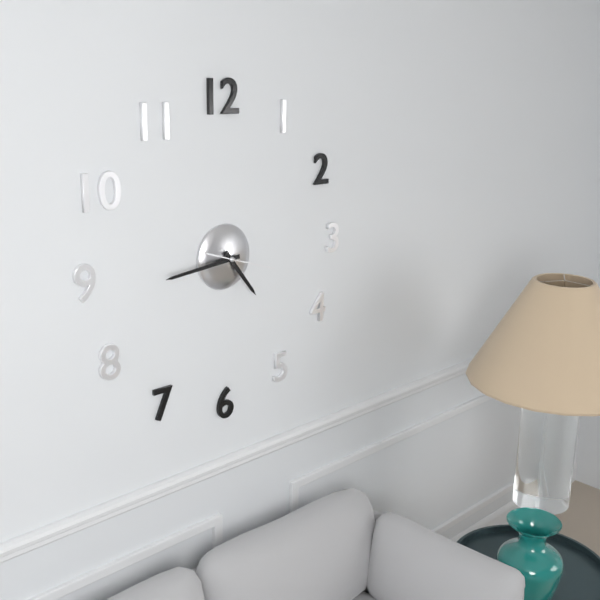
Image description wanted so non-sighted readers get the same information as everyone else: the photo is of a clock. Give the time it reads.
4:44:18
